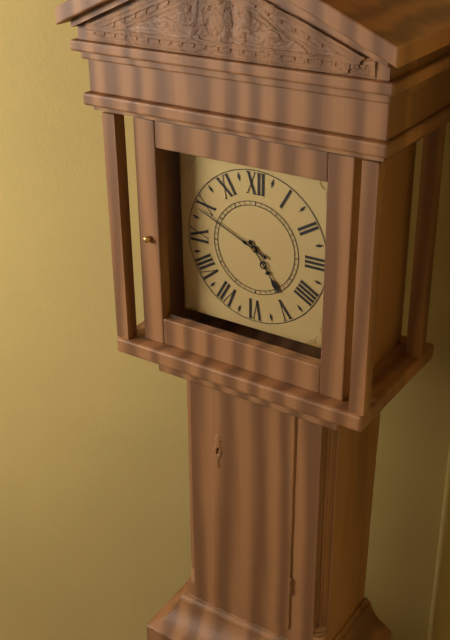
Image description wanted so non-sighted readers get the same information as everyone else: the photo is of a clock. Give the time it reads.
4:49
